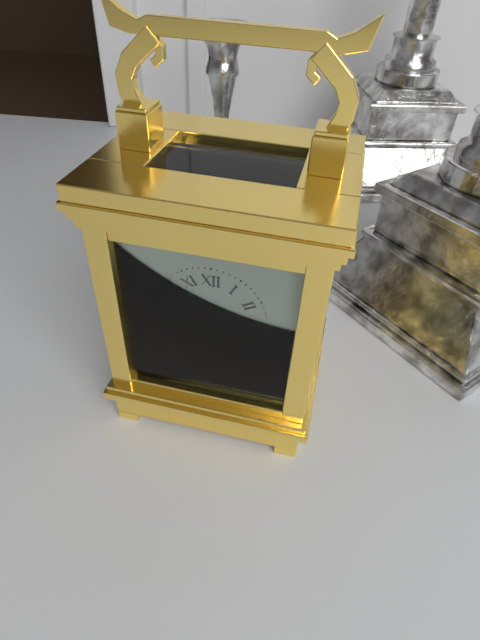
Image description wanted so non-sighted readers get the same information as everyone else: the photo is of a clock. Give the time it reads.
7:43
